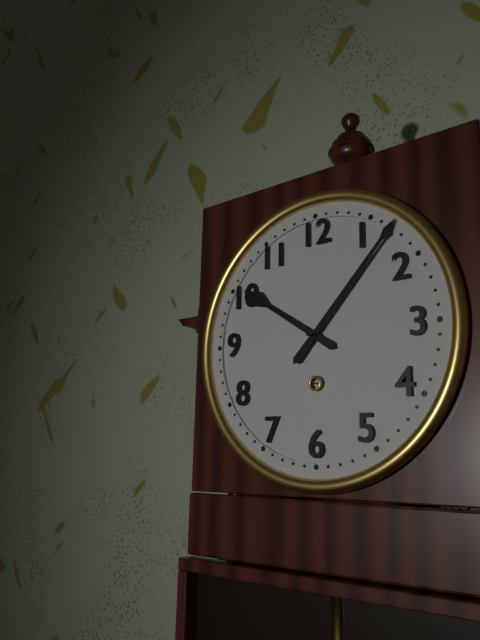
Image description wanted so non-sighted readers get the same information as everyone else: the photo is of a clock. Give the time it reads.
10:07
